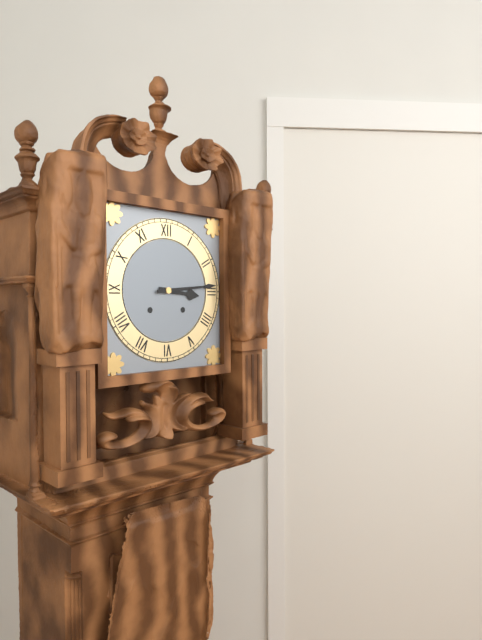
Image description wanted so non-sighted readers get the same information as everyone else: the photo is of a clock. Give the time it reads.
3:14
